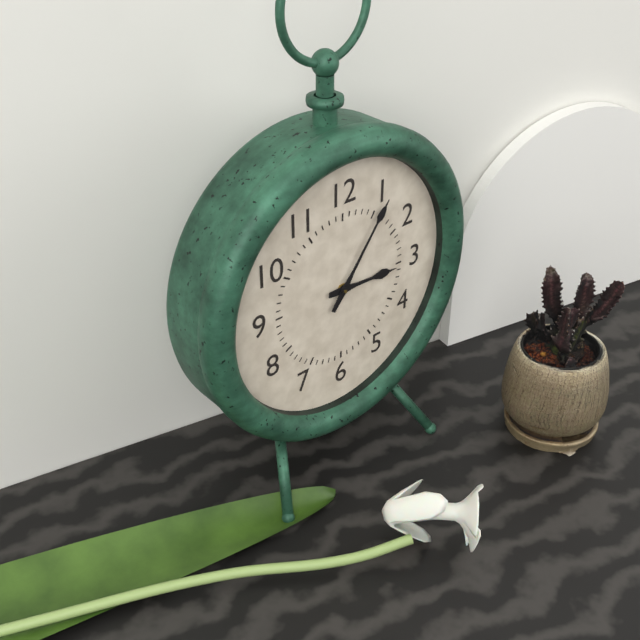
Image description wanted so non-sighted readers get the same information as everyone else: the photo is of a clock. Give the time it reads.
3:06
